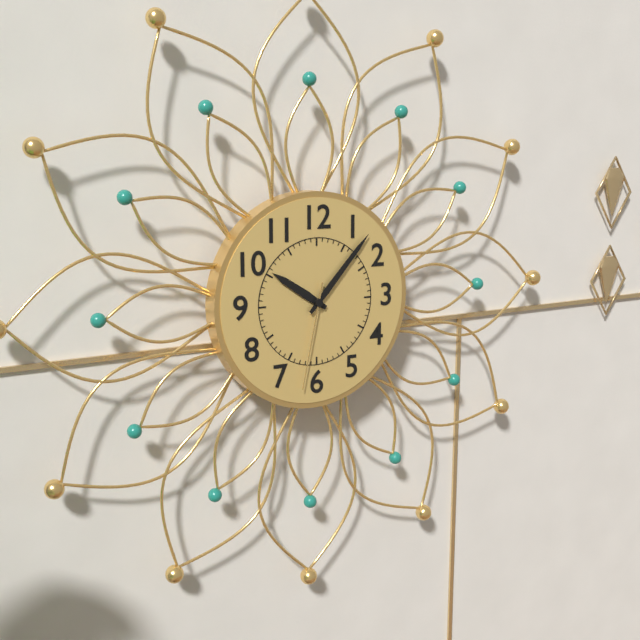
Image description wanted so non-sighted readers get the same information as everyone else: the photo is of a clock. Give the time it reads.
10:07:32
